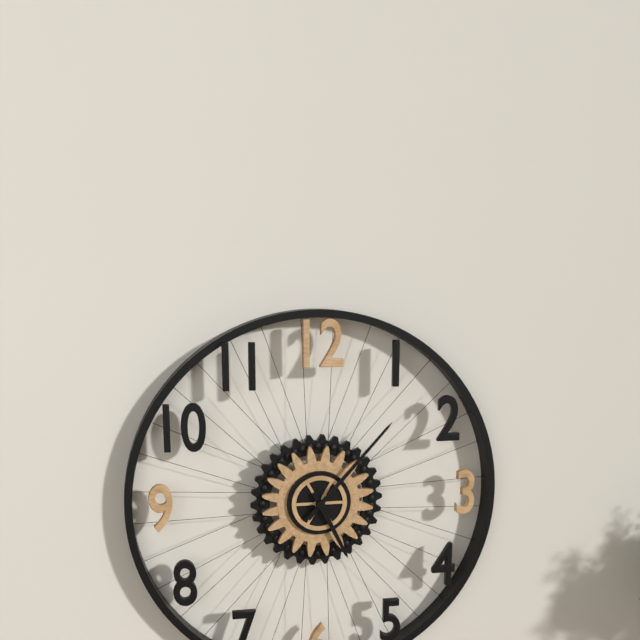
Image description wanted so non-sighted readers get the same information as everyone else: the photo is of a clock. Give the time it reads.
5:07
